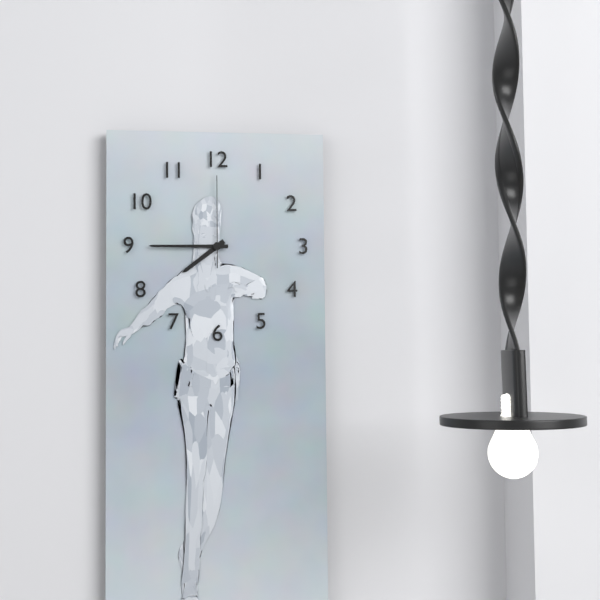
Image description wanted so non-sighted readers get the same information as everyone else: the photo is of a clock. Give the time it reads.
7:45:00
